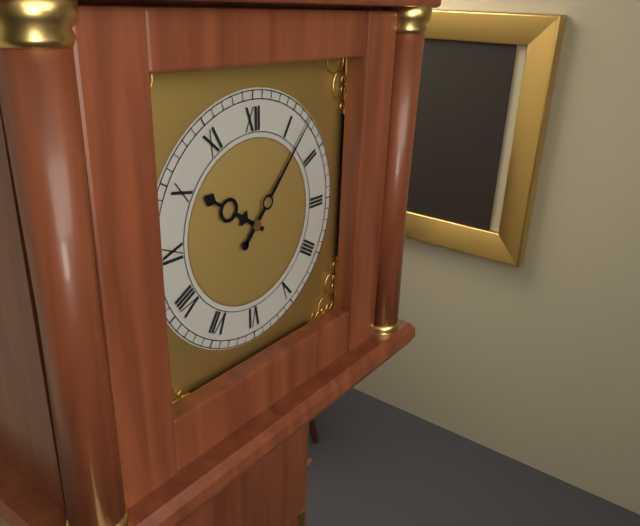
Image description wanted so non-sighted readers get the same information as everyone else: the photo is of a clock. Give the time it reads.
10:07
